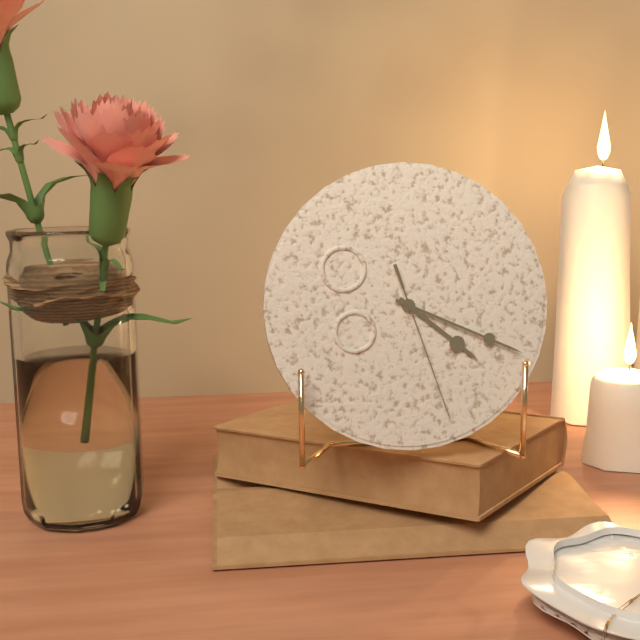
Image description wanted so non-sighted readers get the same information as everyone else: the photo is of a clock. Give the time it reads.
4:19:27
